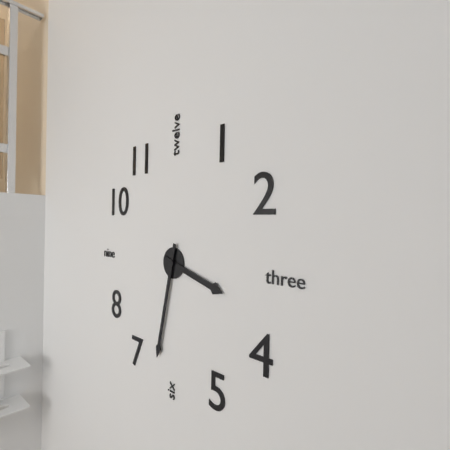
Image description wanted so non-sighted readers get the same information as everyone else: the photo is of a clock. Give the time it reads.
3:32
